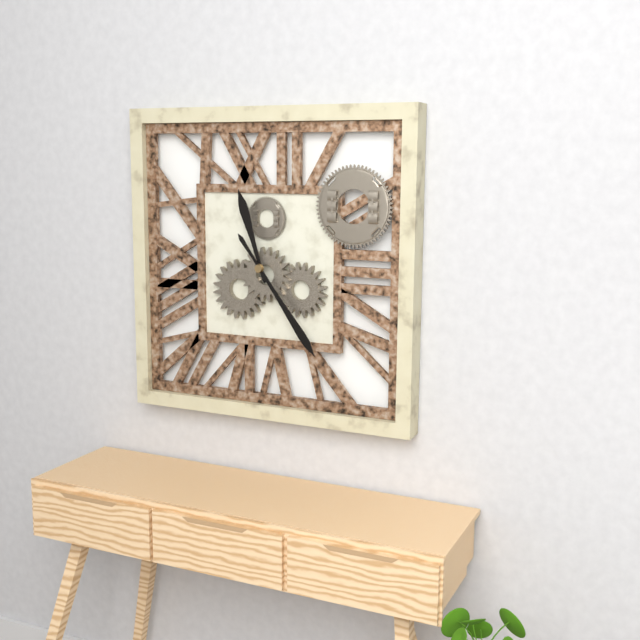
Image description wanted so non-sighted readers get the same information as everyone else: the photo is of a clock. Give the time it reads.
11:24
